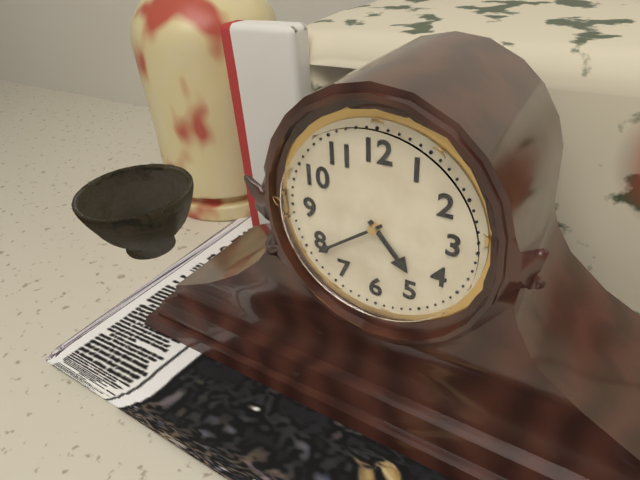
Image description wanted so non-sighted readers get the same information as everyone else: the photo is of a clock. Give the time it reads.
4:39
